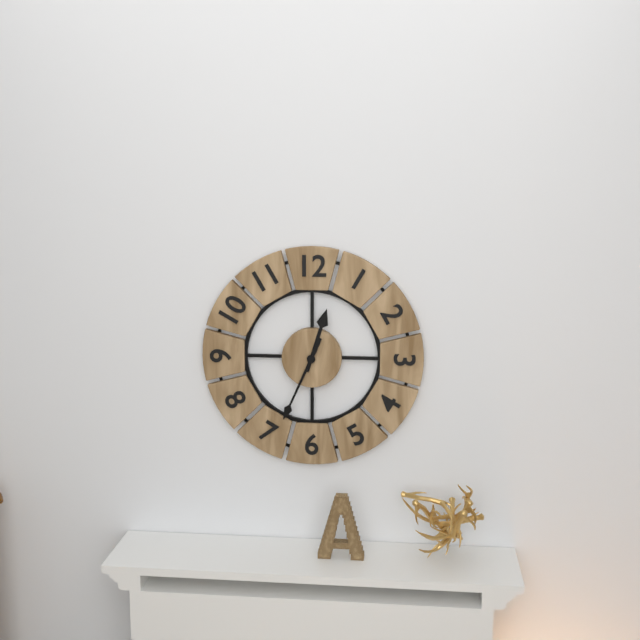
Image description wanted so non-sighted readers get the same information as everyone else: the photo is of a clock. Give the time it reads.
12:34
